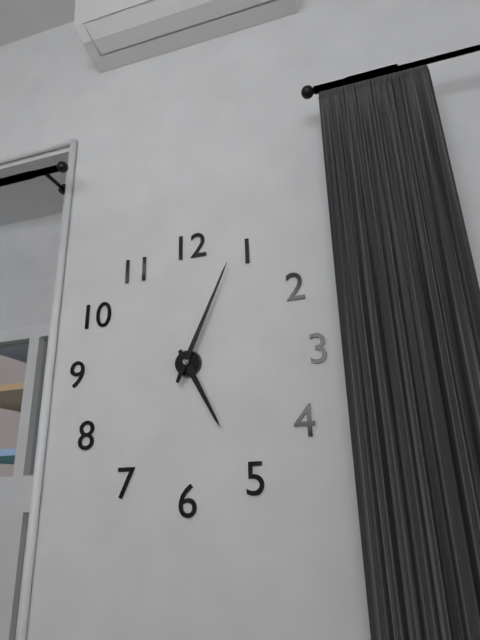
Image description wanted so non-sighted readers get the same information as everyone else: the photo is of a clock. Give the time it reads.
5:04
